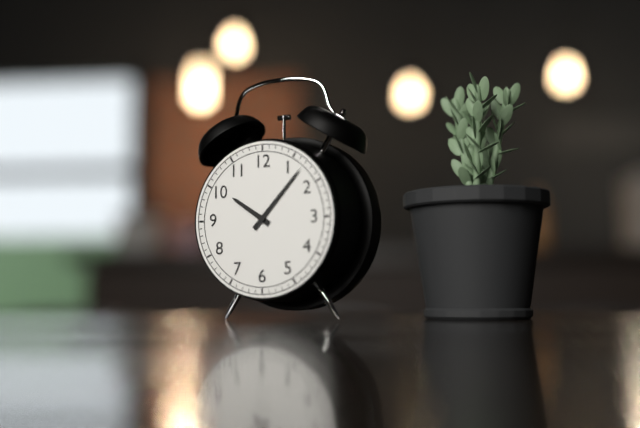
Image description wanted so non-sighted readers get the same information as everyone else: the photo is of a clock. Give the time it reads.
10:07
